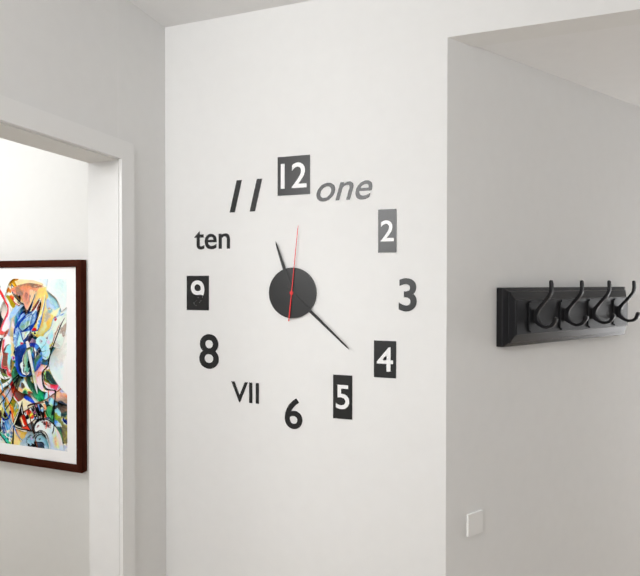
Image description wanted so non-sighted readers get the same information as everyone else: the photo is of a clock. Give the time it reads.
11:22:01
